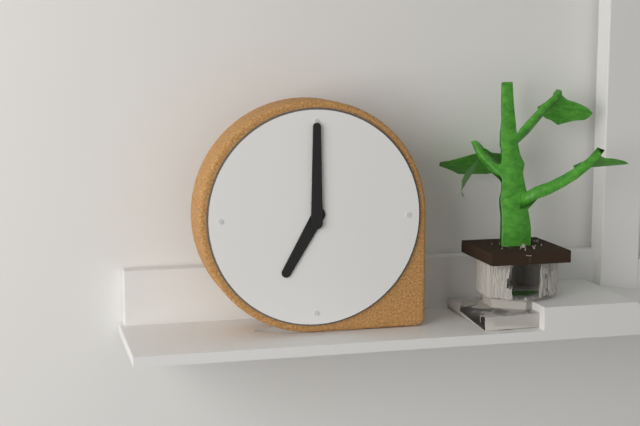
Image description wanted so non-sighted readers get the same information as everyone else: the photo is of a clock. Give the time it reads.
7:00
